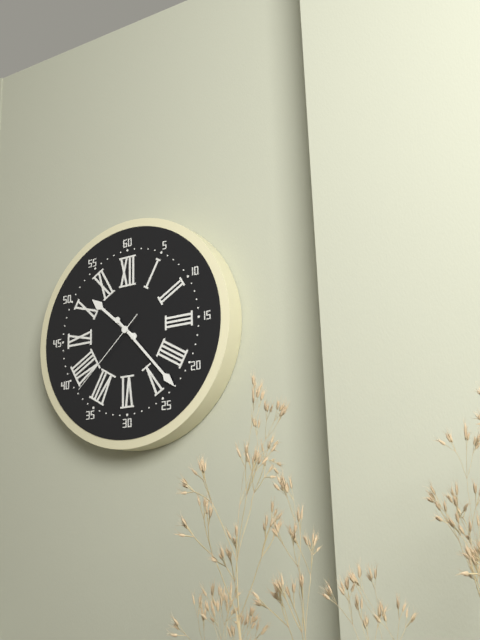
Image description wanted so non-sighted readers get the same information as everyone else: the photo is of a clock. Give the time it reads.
10:23:38
